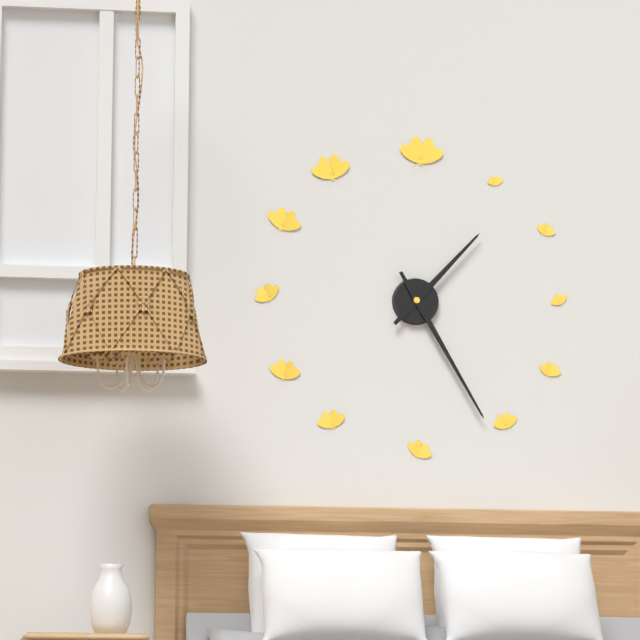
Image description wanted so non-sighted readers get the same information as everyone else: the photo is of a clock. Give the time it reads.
1:25
